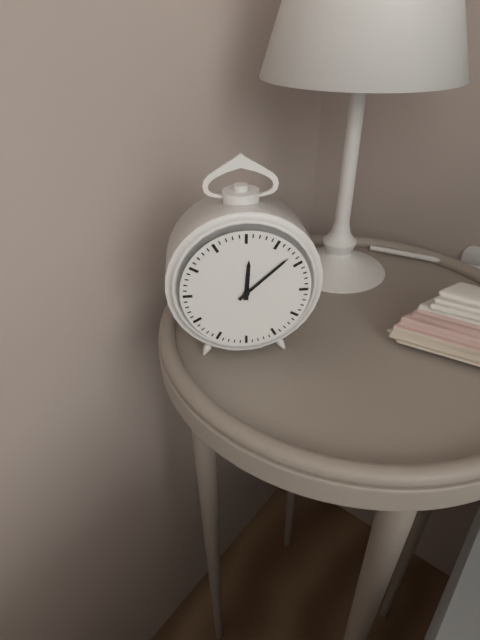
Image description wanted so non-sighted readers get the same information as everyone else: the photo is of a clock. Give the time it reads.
12:08
